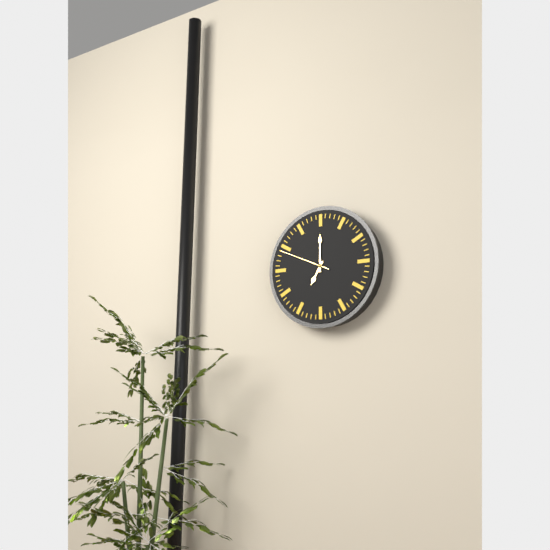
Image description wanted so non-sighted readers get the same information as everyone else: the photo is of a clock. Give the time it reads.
7:00:49
